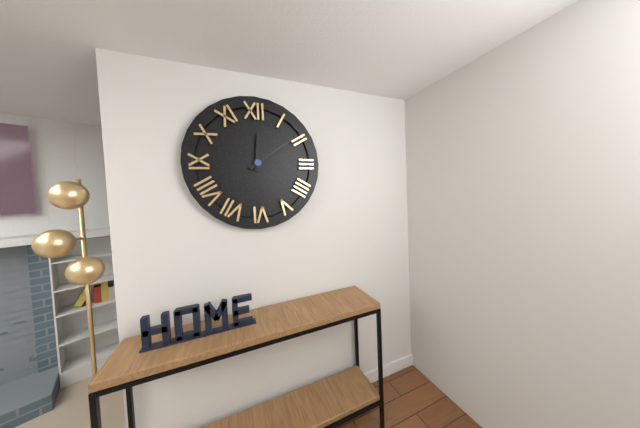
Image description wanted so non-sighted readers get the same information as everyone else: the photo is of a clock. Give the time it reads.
12:09
